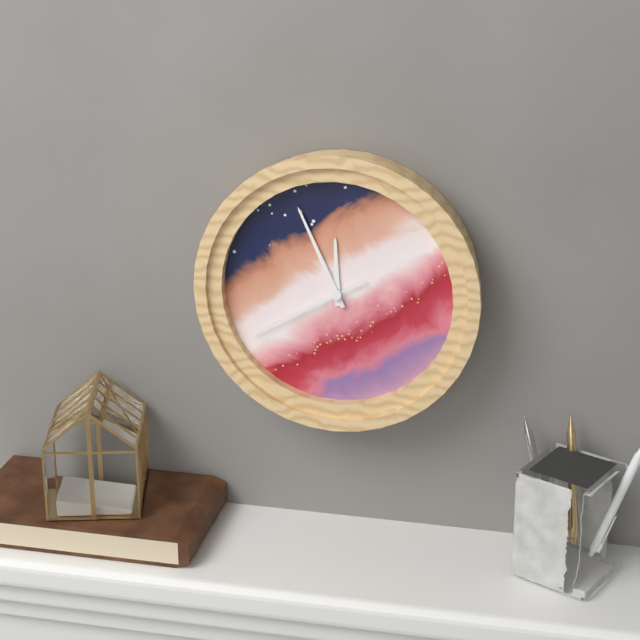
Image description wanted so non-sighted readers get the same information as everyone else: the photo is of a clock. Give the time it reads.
11:56:40
